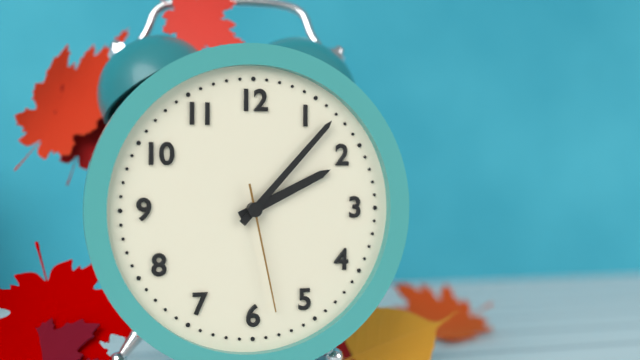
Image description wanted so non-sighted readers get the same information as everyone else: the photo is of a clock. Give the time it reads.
2:07:28
